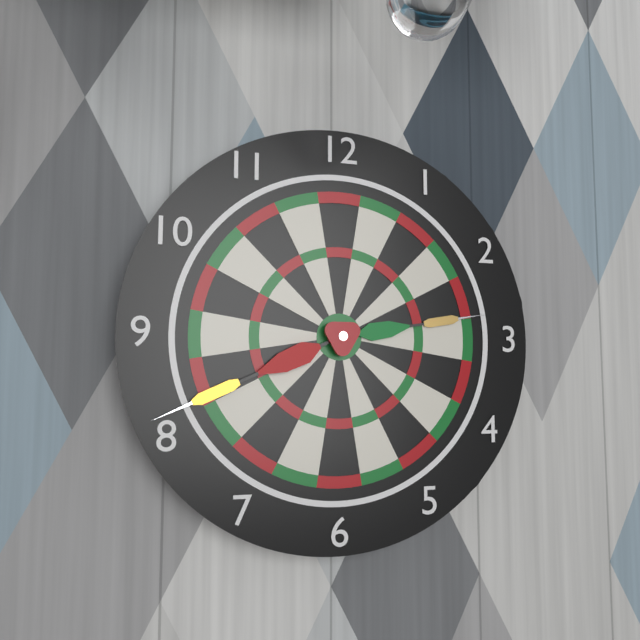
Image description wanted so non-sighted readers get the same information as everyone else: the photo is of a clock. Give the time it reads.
2:41
